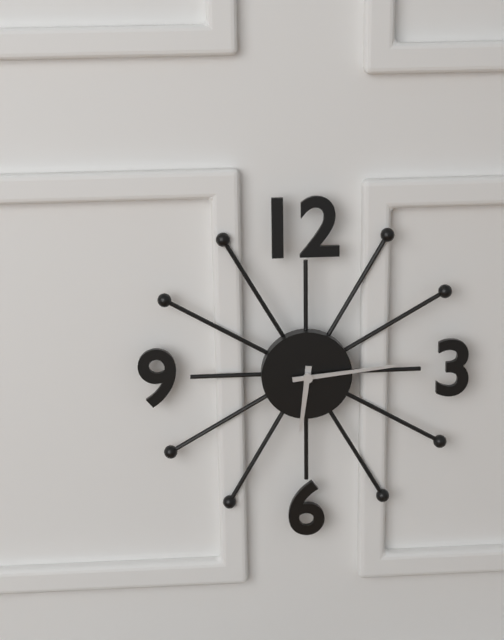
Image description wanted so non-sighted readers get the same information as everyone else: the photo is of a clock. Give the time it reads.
6:14
